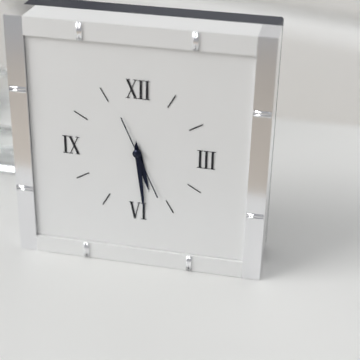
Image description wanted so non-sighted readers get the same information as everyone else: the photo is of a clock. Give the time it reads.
5:29:26
